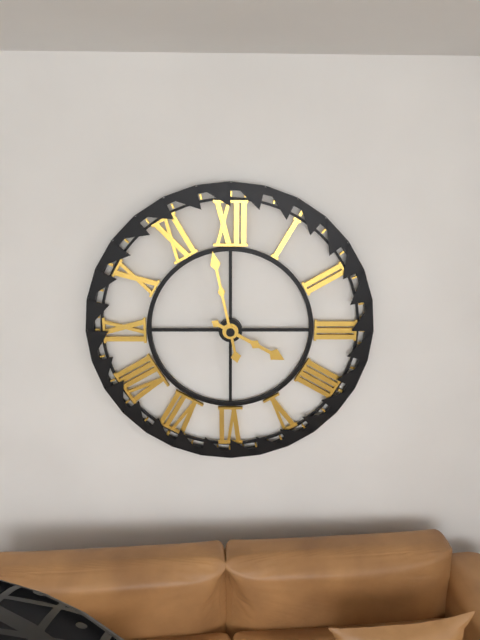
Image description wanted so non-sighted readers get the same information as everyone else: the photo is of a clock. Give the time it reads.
3:58
